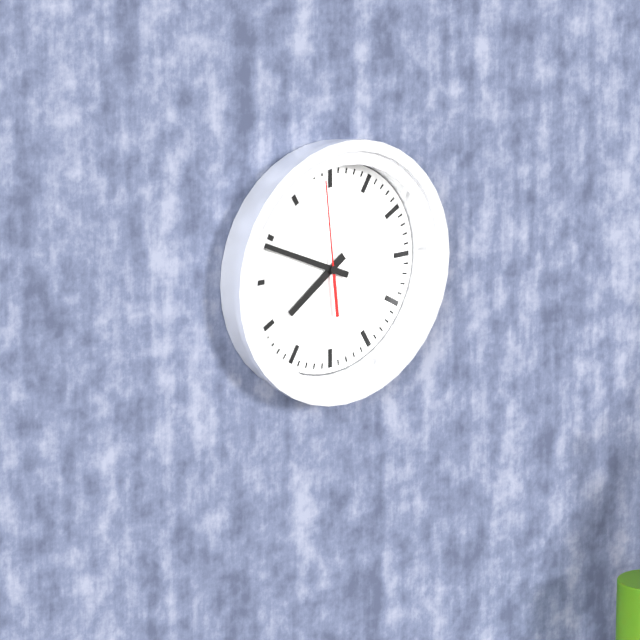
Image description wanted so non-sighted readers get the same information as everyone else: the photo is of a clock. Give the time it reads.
7:49:59
